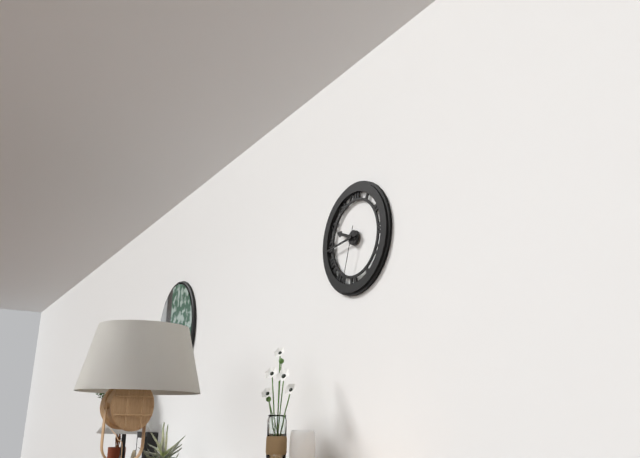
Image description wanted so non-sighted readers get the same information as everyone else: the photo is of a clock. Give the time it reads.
9:44:33
